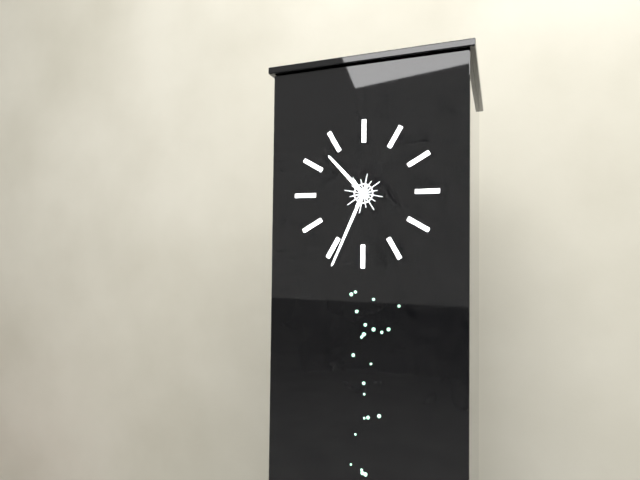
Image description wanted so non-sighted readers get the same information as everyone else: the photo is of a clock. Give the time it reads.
10:34
